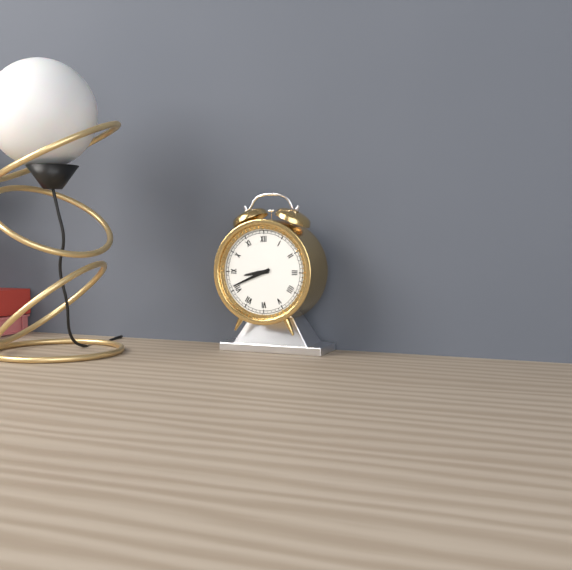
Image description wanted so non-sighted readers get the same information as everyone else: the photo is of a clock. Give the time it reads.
8:41
